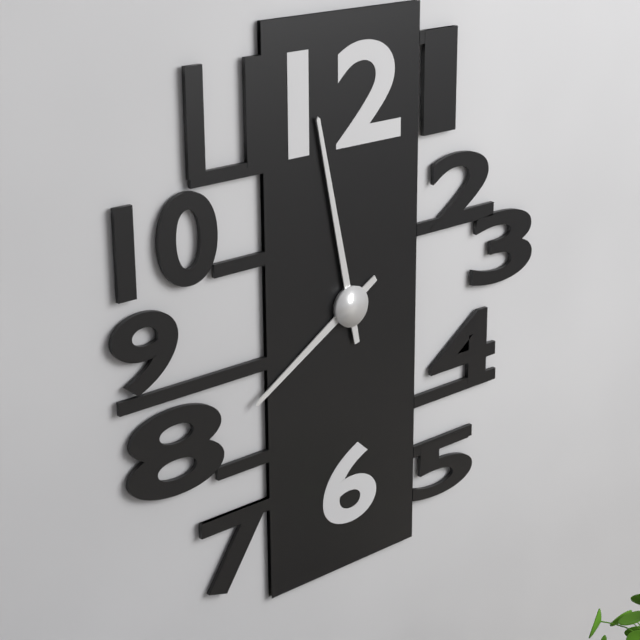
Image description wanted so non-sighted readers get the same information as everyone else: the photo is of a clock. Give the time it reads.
7:58
